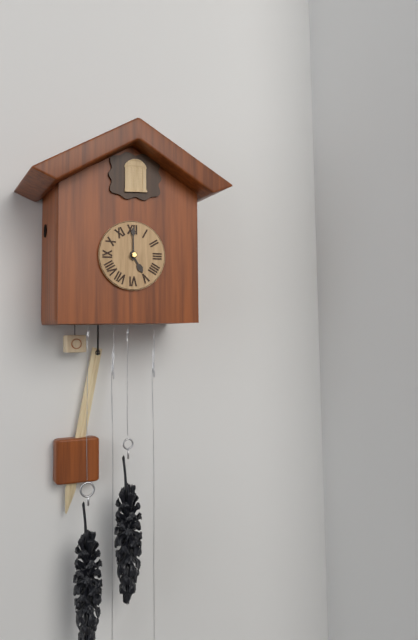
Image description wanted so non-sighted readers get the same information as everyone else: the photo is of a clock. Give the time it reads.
5:00
